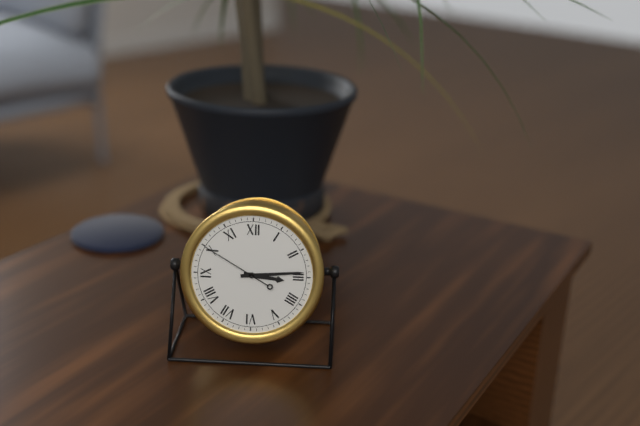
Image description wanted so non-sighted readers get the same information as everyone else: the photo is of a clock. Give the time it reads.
3:14:50
